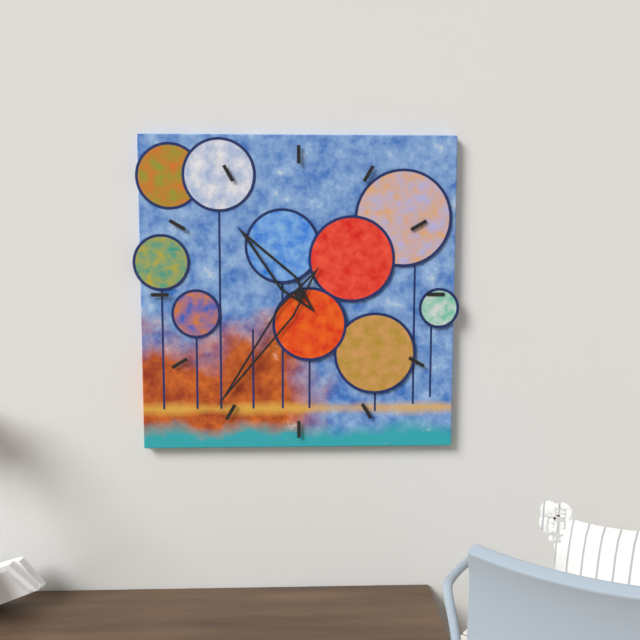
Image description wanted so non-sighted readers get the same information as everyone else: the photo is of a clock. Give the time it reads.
10:36
